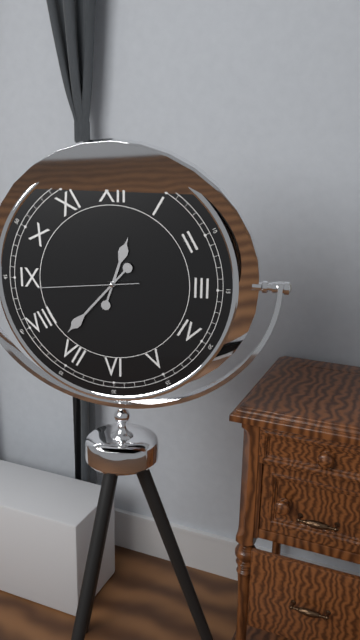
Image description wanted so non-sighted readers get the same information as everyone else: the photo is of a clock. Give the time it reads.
12:37:44
